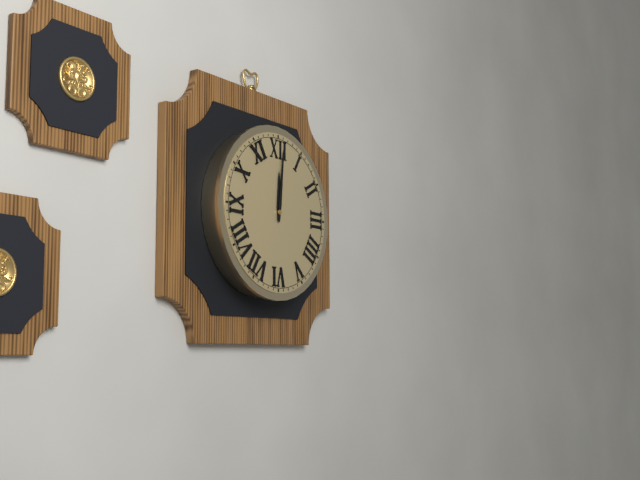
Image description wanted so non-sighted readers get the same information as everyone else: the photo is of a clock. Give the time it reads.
12:01
